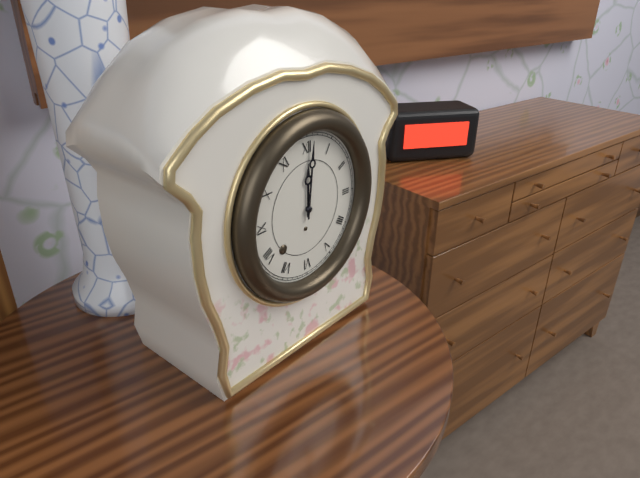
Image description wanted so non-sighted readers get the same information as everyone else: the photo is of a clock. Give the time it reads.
12:01
